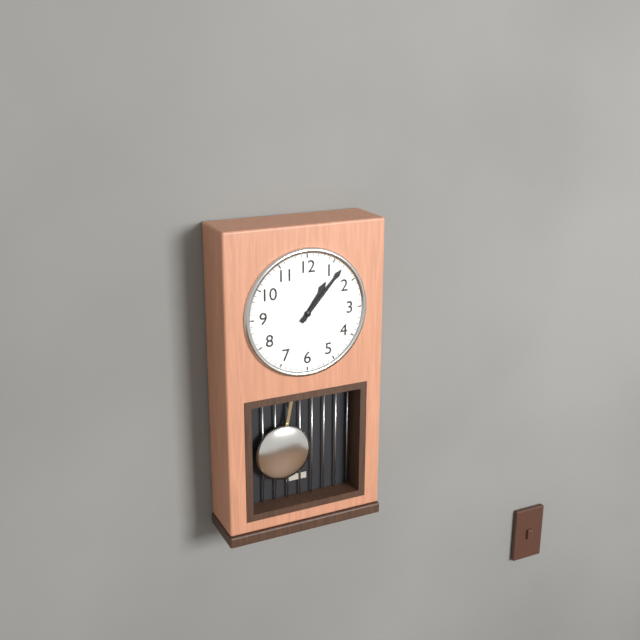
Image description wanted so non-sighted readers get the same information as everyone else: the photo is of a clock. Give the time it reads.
1:07
